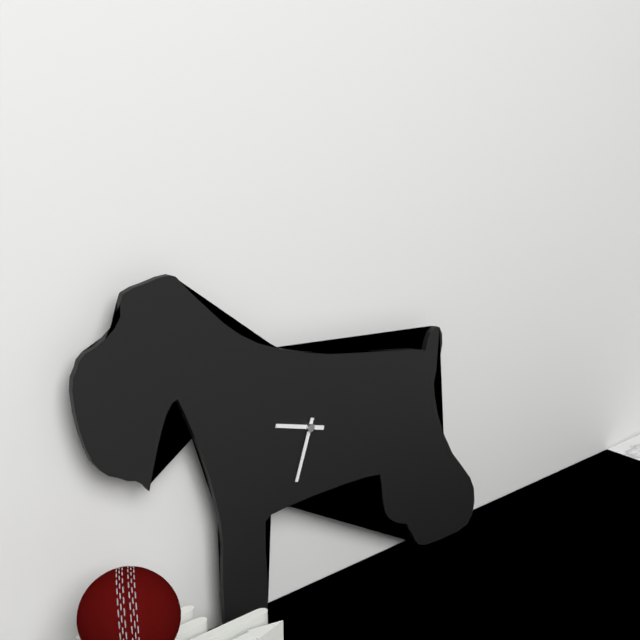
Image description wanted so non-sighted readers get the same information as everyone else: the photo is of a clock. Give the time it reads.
9:33
